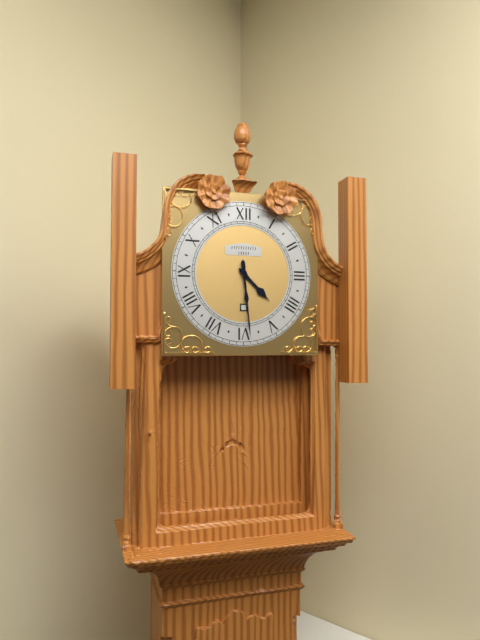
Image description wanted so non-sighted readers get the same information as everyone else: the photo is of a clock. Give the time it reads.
4:29
